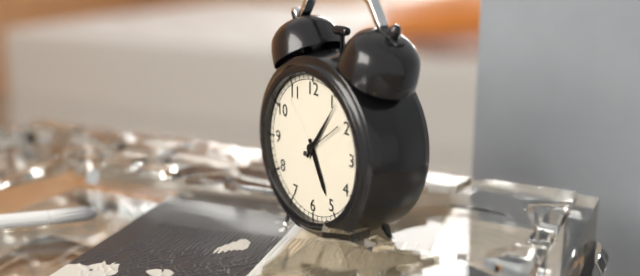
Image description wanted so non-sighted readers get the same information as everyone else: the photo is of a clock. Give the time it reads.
5:06
